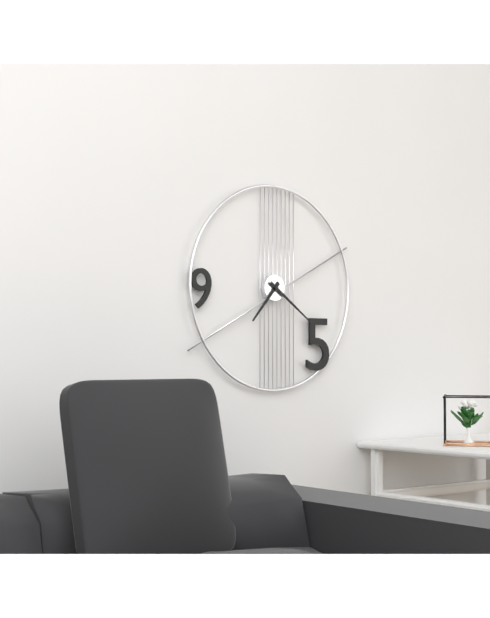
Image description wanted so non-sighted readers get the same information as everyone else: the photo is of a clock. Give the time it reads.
7:21
